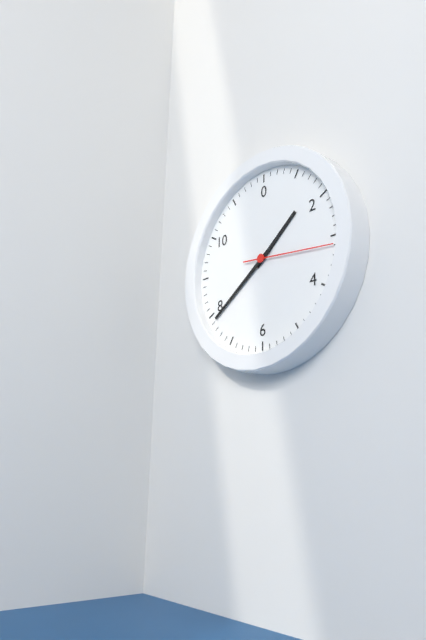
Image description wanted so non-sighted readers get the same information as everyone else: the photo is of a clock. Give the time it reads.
1:39:16
